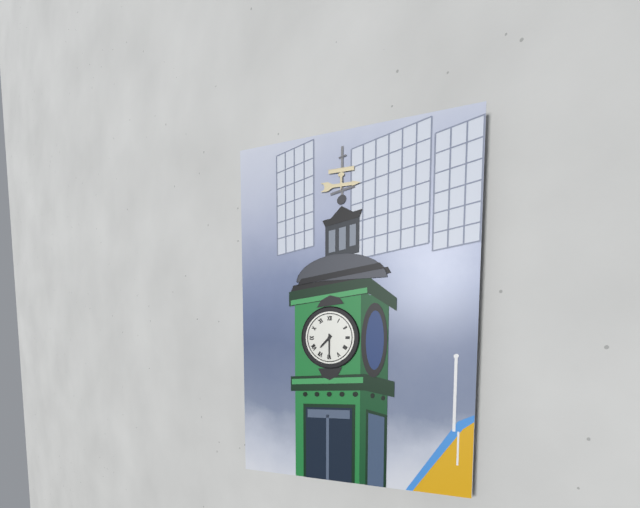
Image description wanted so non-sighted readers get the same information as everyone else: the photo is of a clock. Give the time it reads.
7:30
